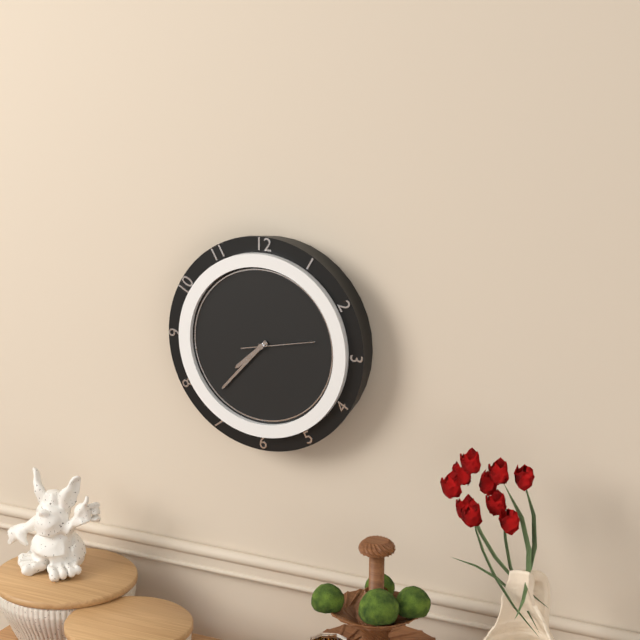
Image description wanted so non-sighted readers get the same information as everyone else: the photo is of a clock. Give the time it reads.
7:37:13
